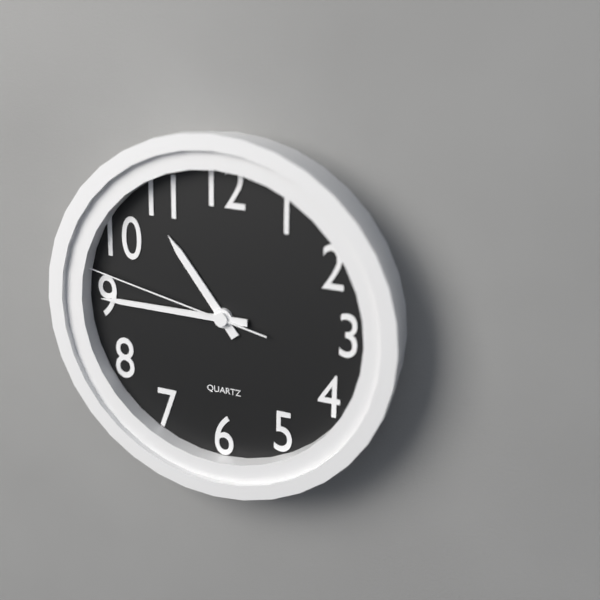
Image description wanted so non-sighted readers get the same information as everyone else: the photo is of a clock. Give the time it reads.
10:45:47
